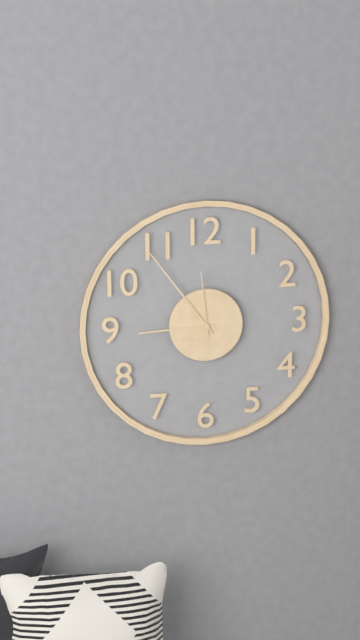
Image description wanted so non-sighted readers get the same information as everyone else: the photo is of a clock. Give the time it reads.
8:54:59
